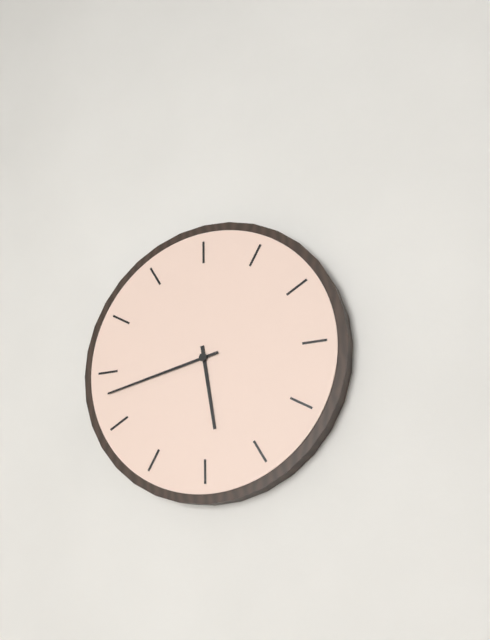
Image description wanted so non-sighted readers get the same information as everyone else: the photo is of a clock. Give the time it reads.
5:43
